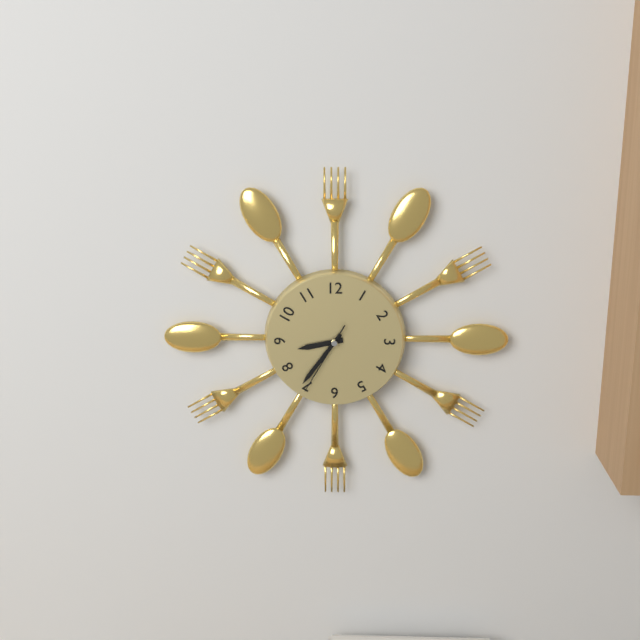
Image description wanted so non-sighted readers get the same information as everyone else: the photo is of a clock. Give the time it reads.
8:36:35
